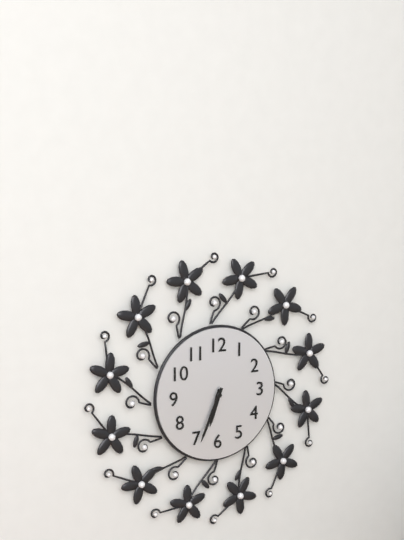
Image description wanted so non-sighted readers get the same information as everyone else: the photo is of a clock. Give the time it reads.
6:34
